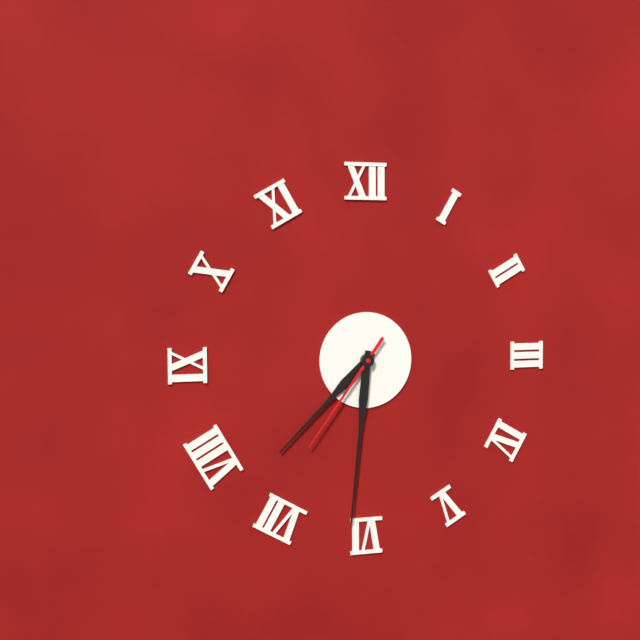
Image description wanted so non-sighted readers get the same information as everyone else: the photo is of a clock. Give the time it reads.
7:31:36
